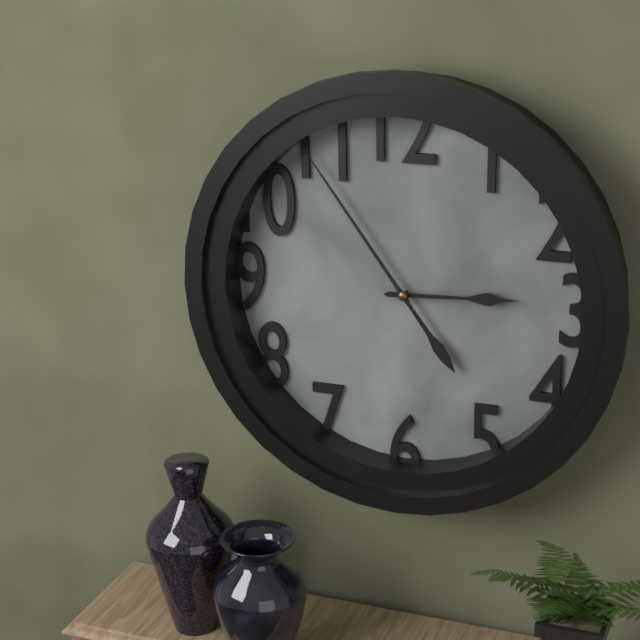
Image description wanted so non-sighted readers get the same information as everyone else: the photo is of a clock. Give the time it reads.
2:54
